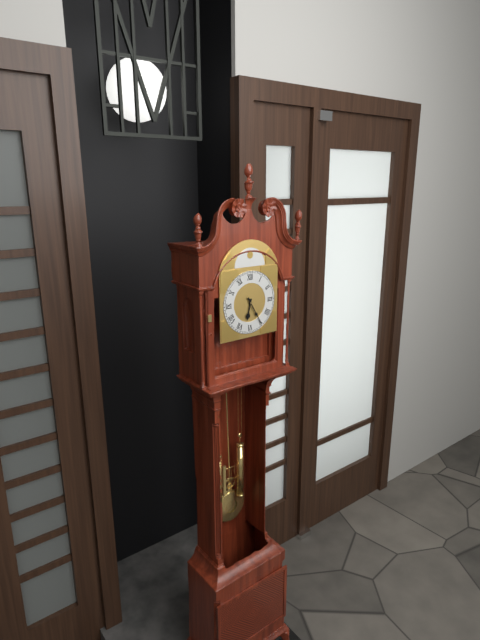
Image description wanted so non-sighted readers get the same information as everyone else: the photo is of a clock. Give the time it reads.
6:25
